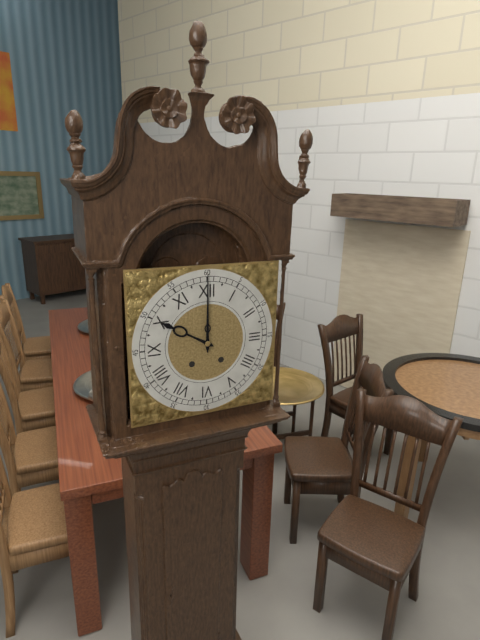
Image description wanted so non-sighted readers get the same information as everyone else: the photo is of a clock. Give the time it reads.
10:00
